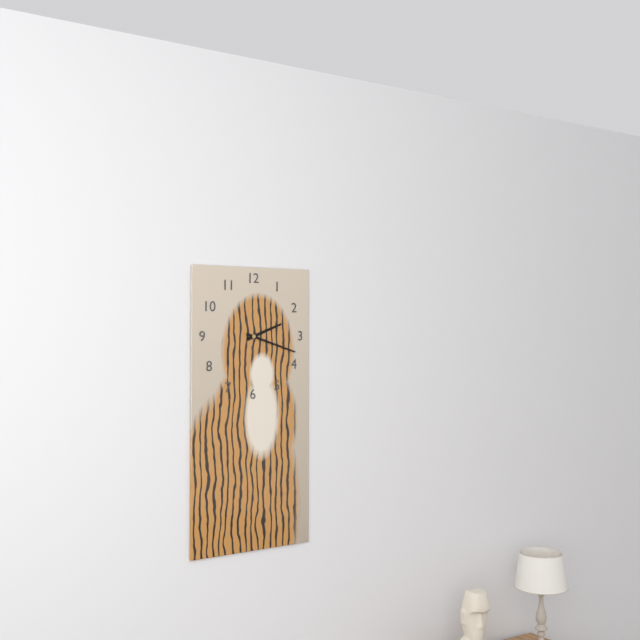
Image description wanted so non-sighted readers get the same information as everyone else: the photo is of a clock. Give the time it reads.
2:18
